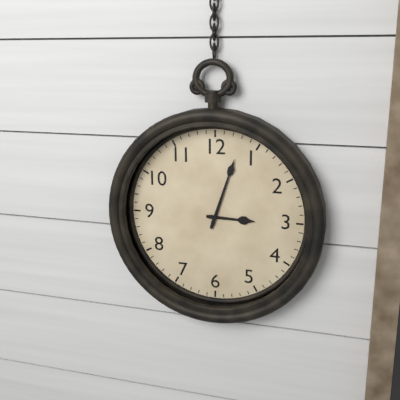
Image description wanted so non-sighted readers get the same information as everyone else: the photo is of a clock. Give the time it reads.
3:03
